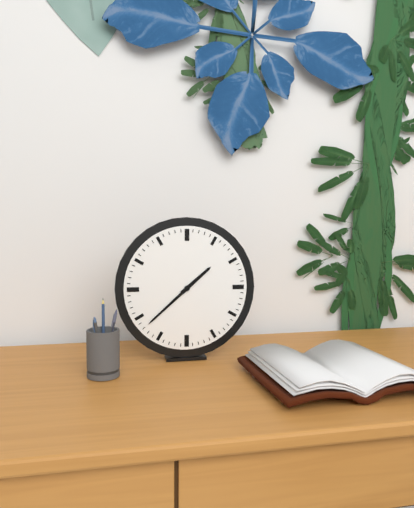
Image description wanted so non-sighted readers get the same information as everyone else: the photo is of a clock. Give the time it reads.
1:38
